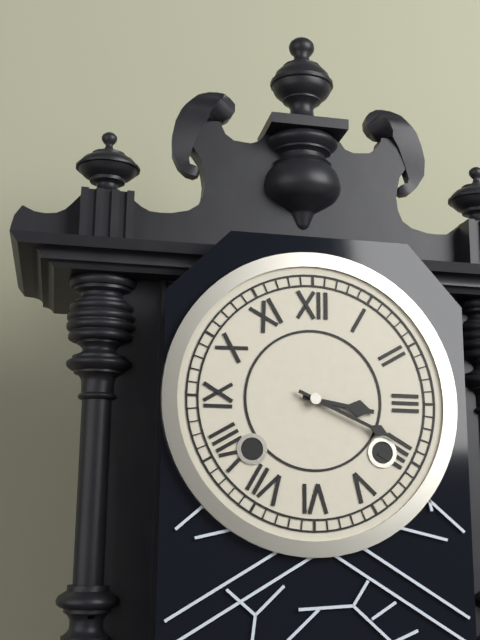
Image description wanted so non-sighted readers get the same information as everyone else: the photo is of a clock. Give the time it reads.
3:19
